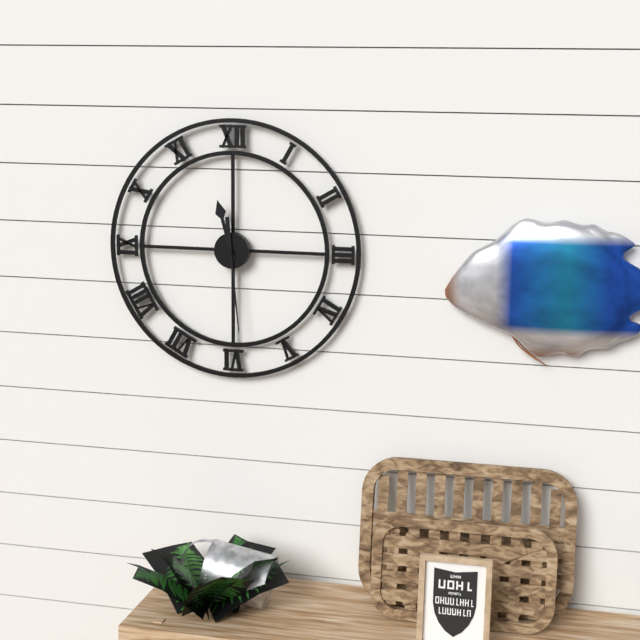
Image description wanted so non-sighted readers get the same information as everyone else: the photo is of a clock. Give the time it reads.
11:29
